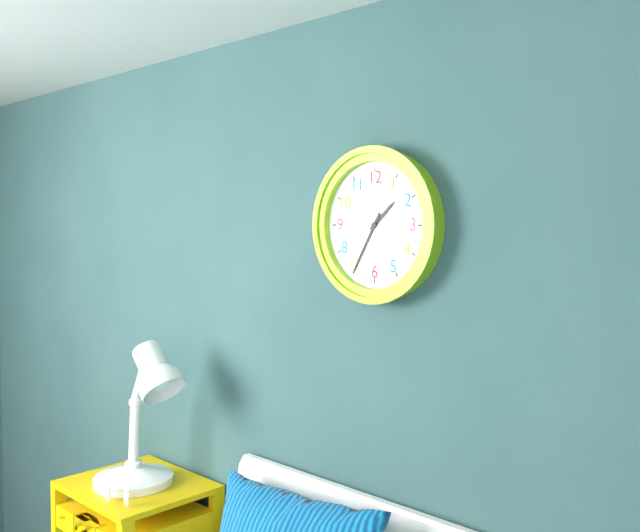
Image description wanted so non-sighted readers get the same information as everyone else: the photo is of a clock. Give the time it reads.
1:35
